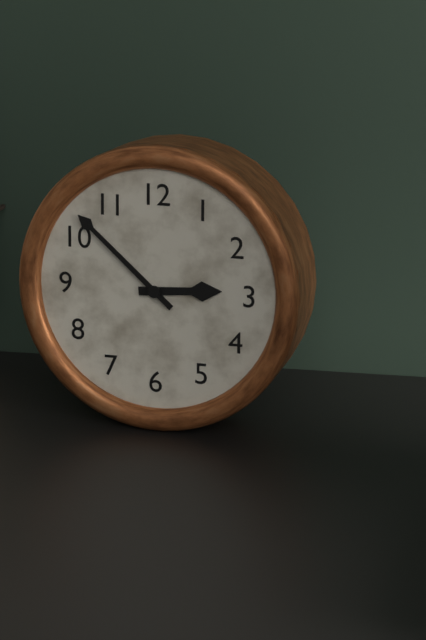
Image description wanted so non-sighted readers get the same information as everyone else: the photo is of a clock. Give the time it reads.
2:52
